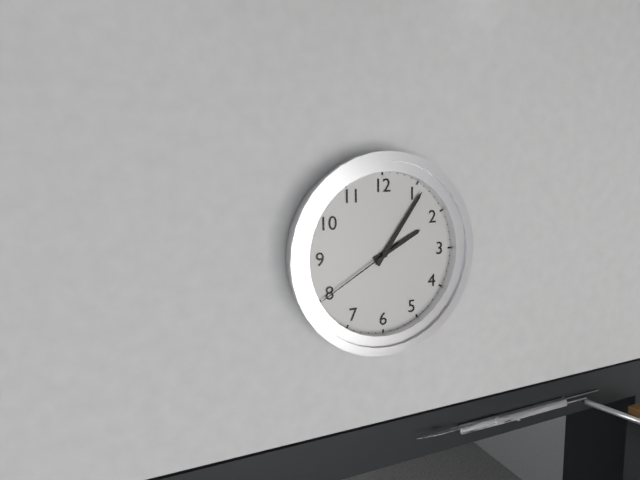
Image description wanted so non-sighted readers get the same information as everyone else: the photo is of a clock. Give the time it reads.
2:06:40
